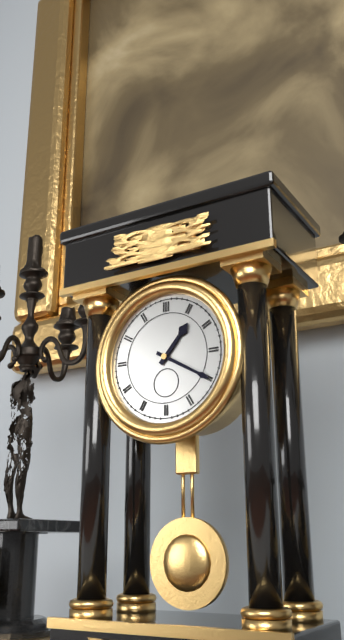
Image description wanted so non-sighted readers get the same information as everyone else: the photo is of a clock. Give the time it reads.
1:20
